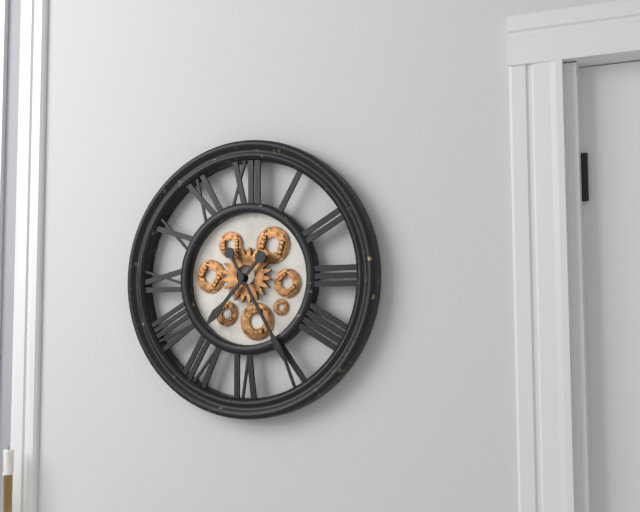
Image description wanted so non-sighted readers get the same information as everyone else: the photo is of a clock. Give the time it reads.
7:25
